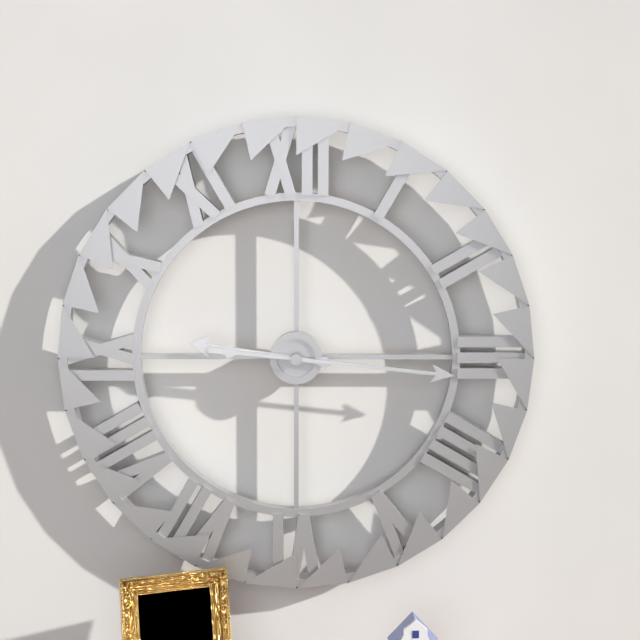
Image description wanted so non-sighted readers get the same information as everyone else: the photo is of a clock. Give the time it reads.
9:16
